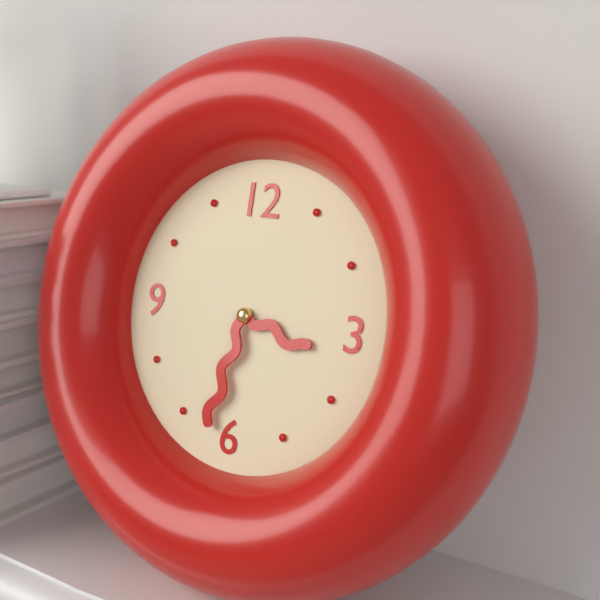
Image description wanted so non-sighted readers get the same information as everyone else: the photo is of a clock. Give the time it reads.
3:32
